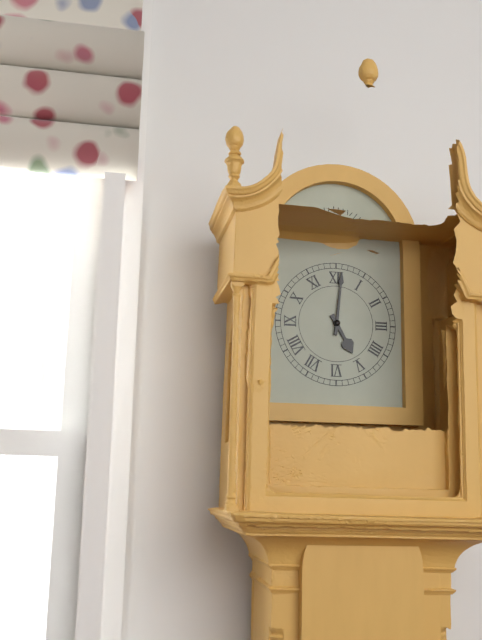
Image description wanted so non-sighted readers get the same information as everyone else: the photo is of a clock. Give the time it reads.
5:01
